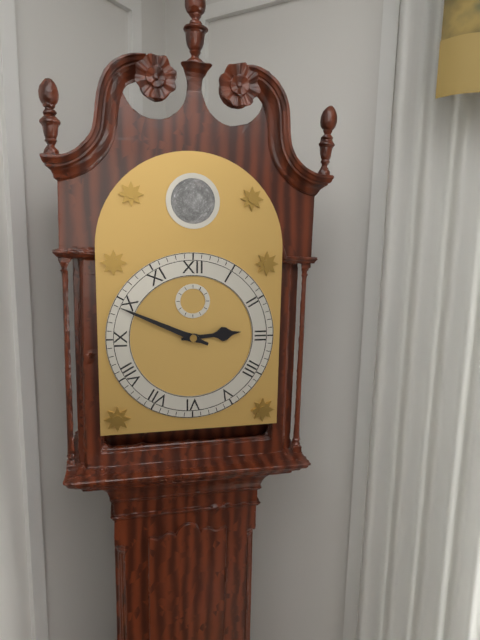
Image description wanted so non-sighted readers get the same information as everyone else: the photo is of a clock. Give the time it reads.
2:49
